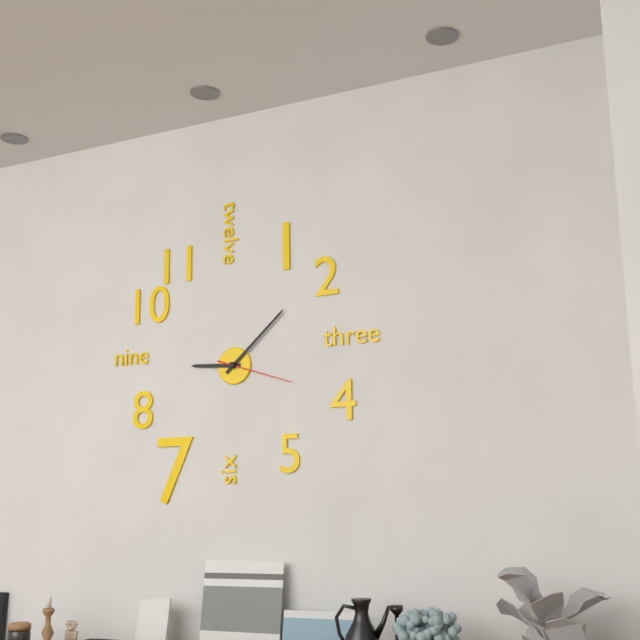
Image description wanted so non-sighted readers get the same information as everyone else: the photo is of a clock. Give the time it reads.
9:08:18
